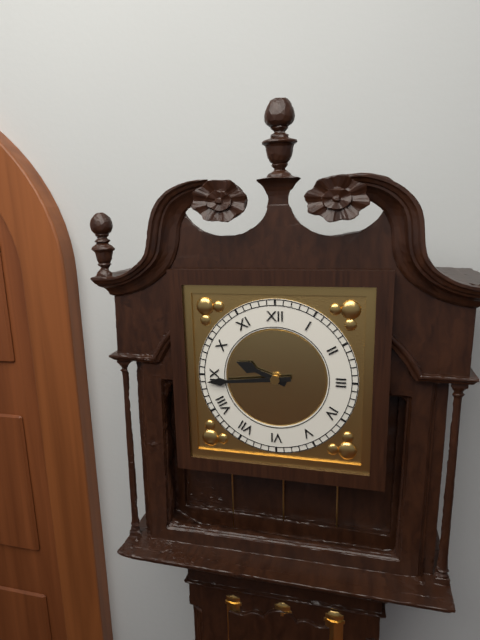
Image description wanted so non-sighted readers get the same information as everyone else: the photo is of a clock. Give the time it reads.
9:44
